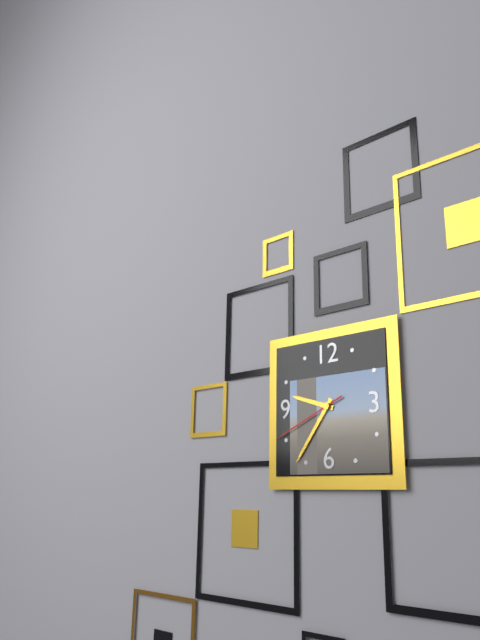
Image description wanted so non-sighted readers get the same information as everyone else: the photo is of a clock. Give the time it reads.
9:36:41
